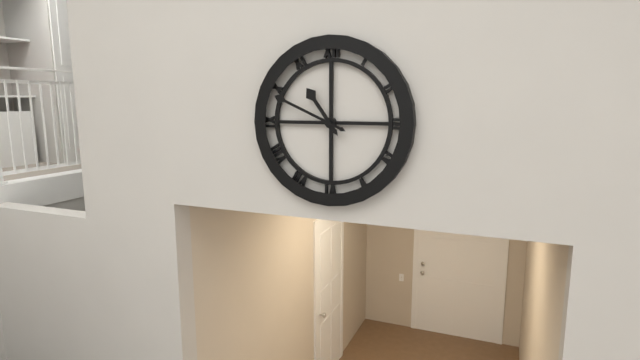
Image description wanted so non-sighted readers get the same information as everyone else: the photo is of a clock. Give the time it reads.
10:49
